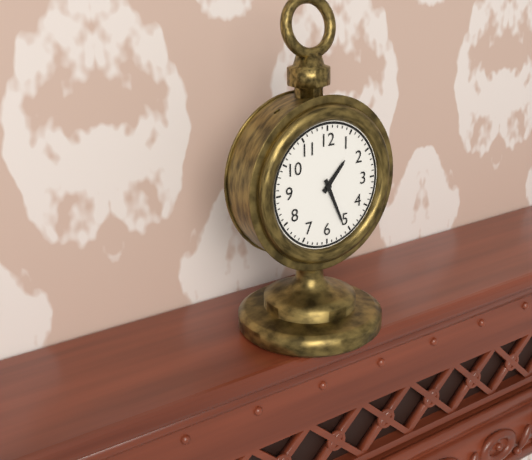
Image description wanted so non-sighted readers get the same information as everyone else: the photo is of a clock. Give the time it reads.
1:26
